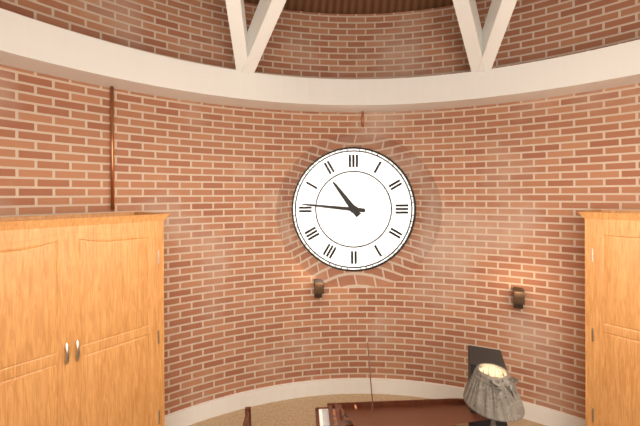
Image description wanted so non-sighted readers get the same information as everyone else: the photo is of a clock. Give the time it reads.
10:46
